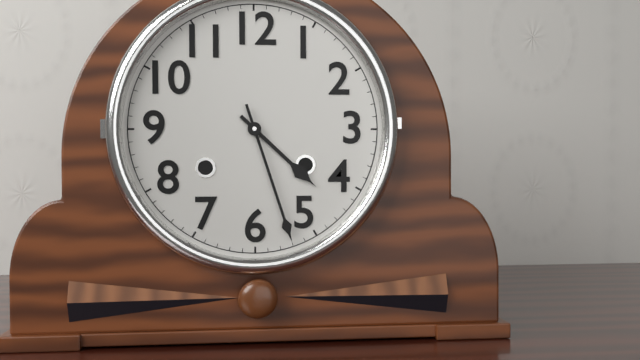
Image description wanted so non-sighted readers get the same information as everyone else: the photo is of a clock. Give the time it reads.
4:27
